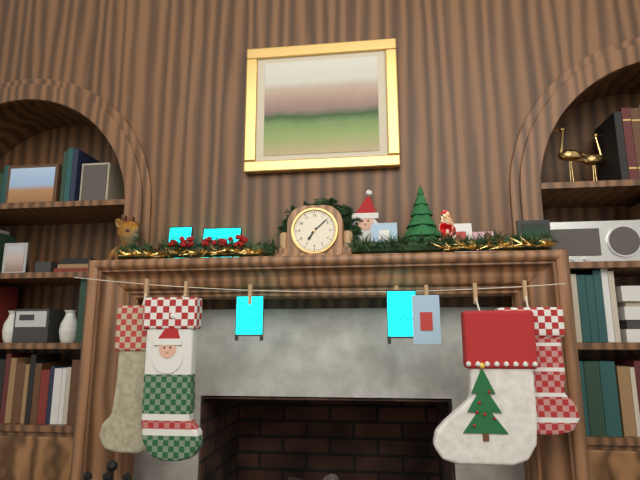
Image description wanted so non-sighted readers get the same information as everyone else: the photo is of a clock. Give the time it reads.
7:08
